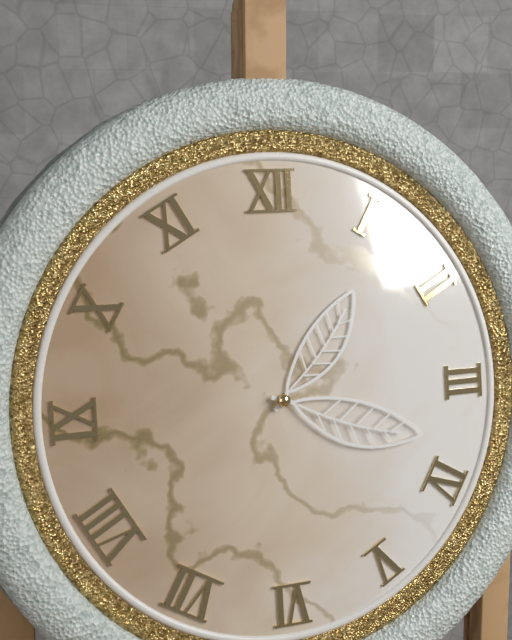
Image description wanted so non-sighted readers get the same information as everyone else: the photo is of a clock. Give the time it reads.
1:18
